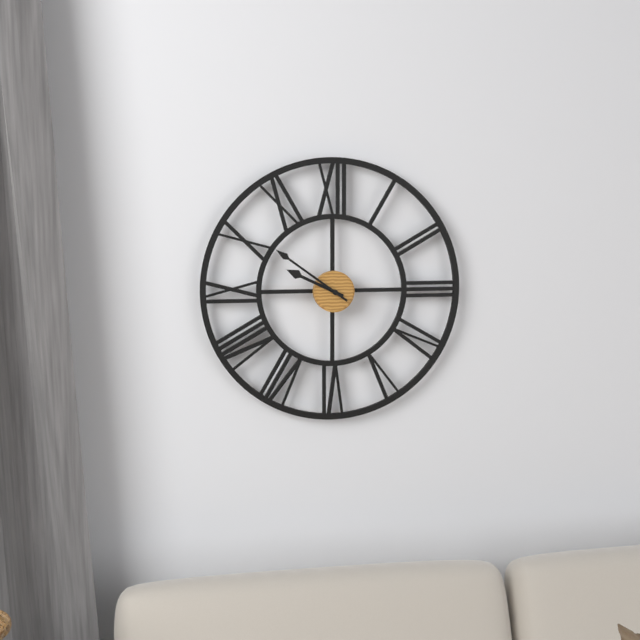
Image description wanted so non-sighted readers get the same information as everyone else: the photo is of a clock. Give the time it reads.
9:51
